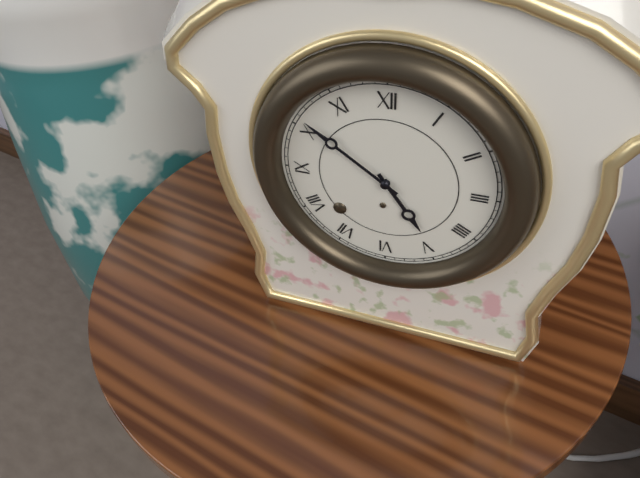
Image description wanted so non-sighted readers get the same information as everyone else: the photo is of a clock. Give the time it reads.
4:51
